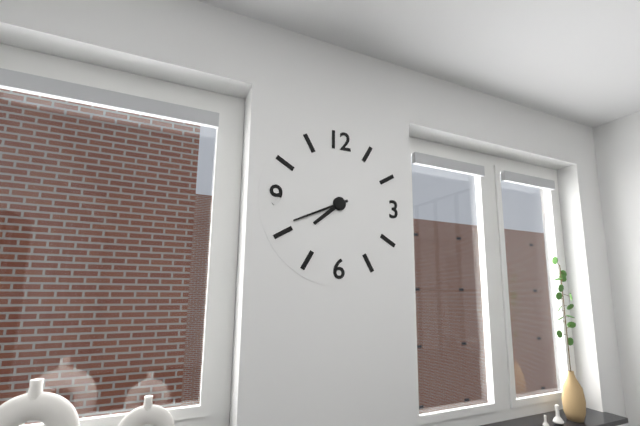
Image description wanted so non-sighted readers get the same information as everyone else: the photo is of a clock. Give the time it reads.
7:41
